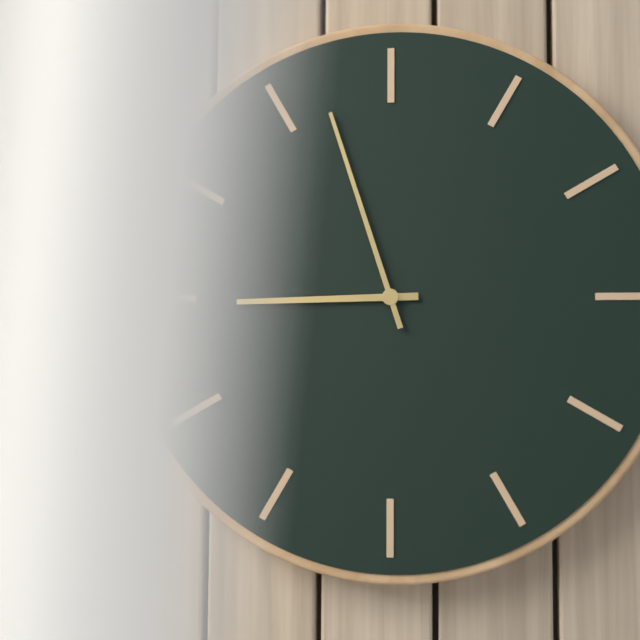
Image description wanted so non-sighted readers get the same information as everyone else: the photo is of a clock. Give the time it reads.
8:57
